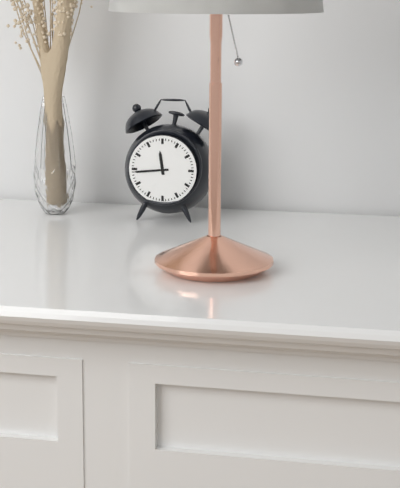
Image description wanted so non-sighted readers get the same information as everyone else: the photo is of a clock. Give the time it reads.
11:44
